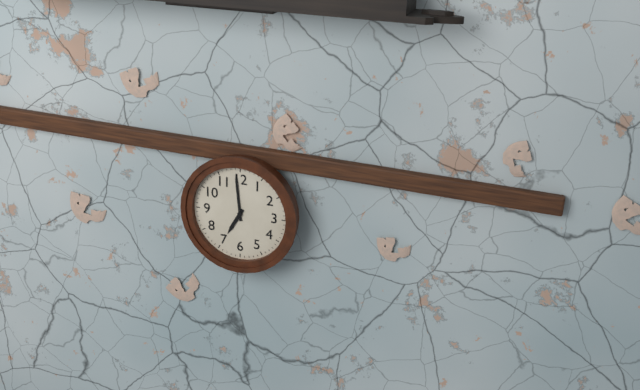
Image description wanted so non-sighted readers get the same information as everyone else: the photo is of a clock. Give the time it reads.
6:59
